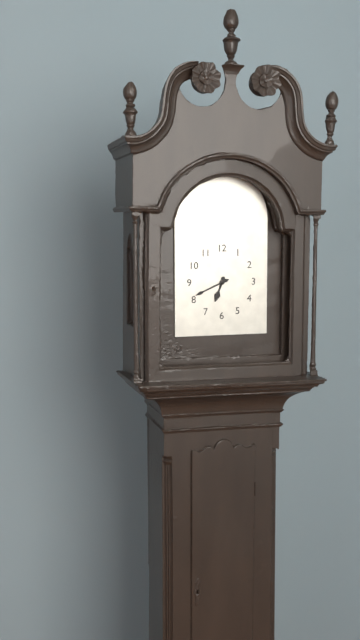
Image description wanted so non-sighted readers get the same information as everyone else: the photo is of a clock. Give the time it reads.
6:41
